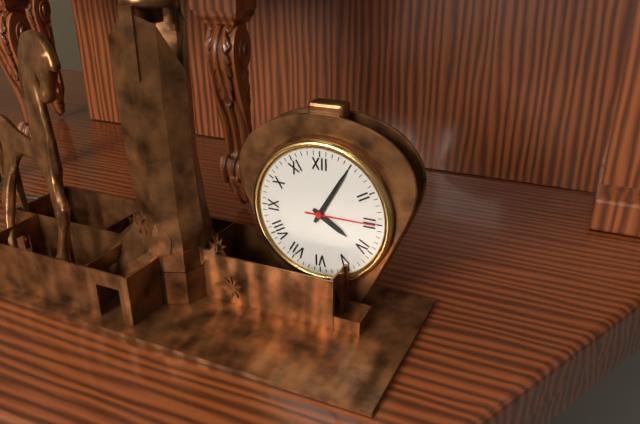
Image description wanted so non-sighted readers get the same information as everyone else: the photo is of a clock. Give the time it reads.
4:05:15
